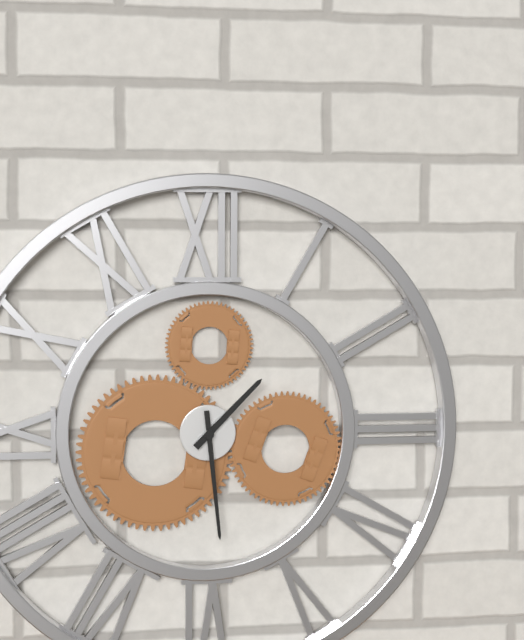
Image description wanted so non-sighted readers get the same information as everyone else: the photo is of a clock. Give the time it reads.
1:29
